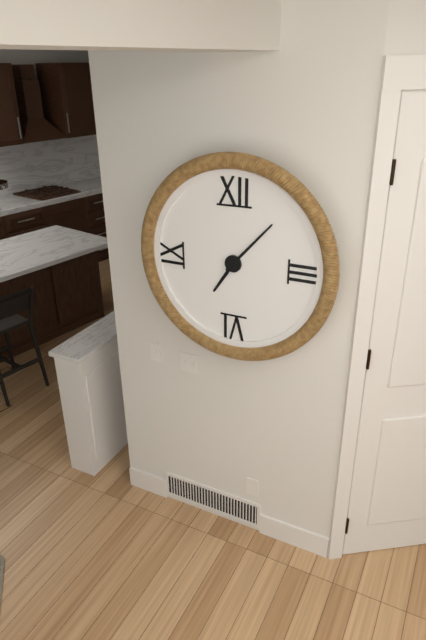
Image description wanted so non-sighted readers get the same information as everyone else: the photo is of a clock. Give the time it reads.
7:07
